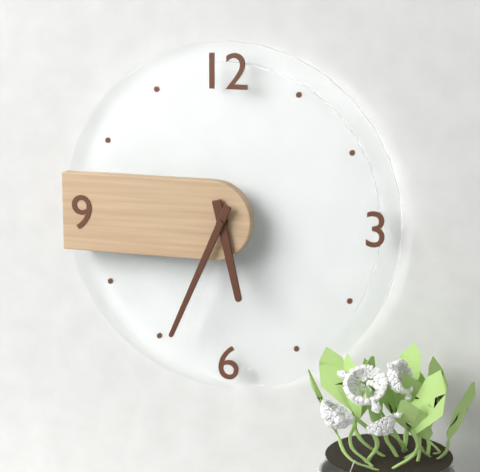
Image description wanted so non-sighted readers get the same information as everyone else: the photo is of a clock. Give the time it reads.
5:34
